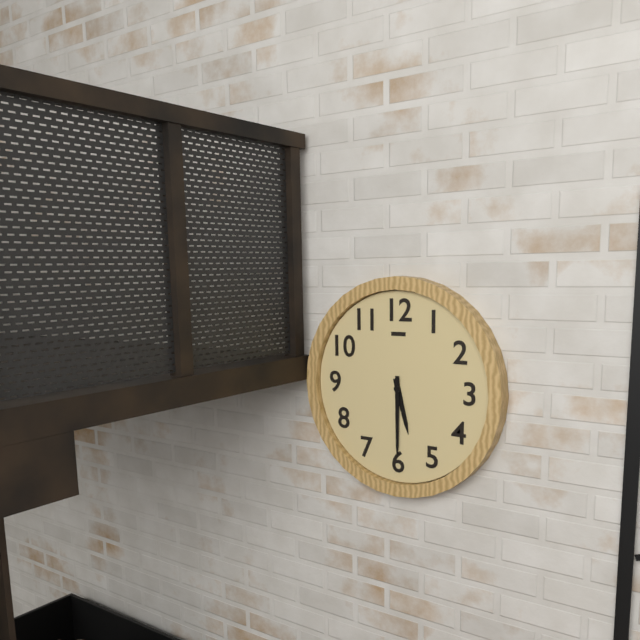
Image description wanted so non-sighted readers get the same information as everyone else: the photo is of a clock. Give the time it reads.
5:30
